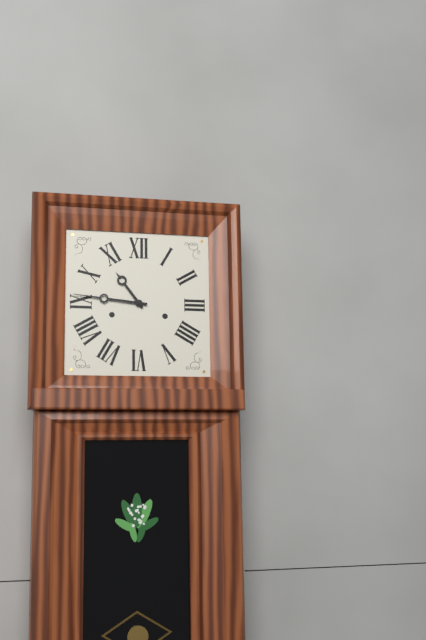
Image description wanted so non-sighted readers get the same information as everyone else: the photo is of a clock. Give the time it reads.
10:46
